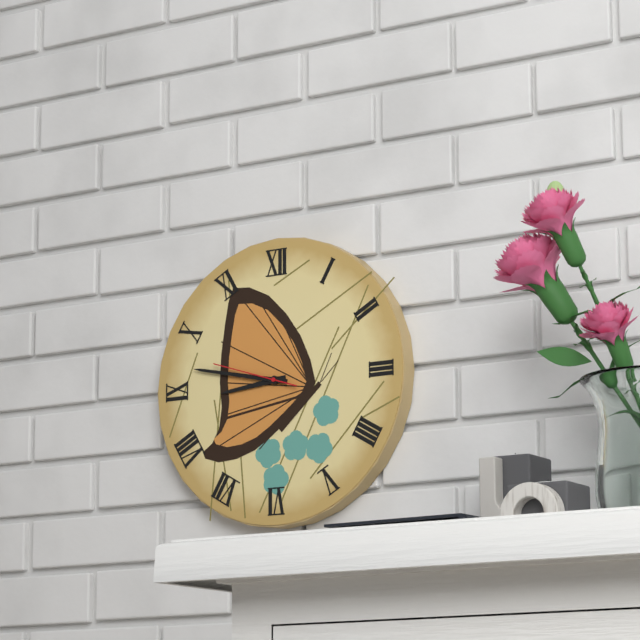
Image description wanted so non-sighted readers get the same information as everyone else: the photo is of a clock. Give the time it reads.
8:47:48
